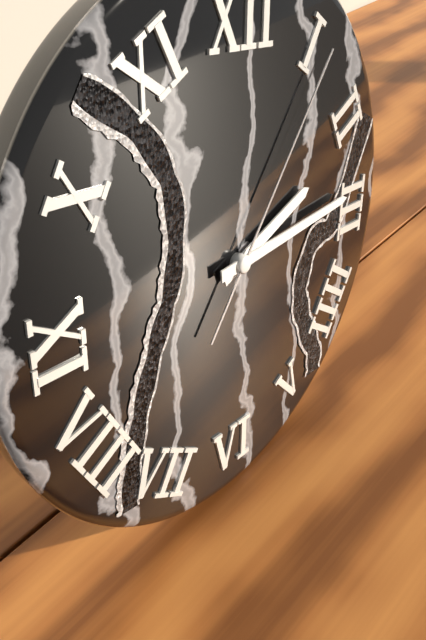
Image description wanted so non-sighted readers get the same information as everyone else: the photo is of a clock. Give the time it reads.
2:14:06
